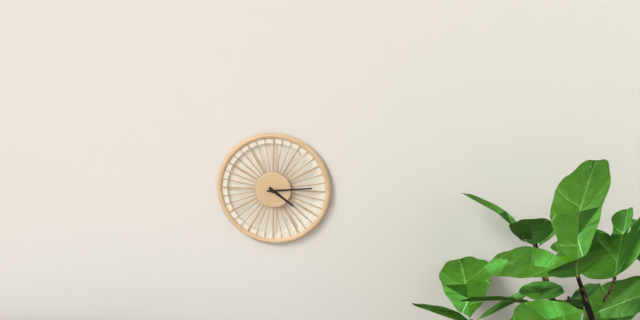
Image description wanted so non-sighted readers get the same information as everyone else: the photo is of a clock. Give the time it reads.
4:14
